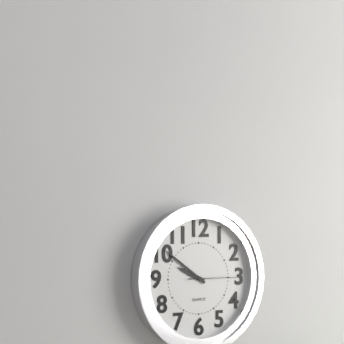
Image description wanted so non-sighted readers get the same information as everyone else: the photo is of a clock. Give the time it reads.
9:51:15
